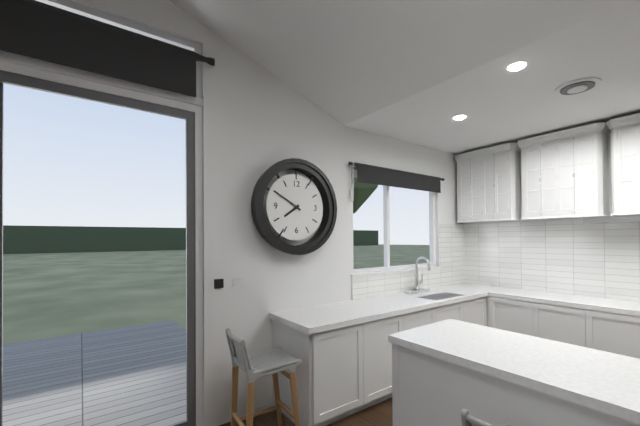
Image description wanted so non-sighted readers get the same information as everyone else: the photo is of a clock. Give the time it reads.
7:50
